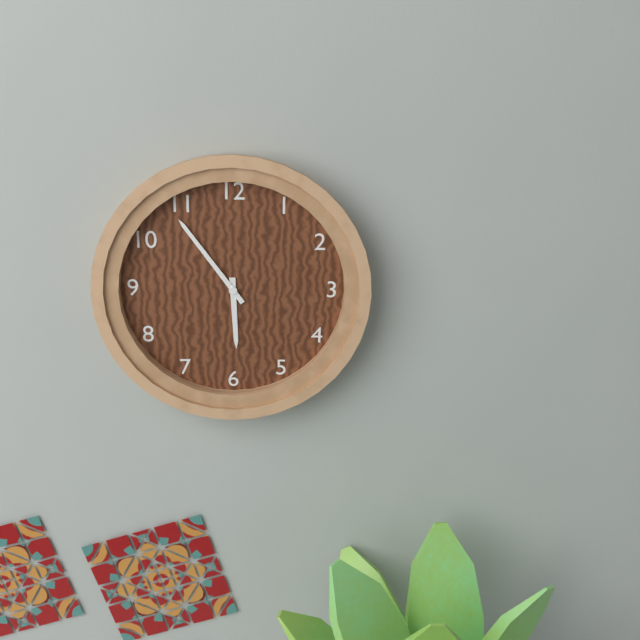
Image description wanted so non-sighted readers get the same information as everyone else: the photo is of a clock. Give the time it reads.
5:54
